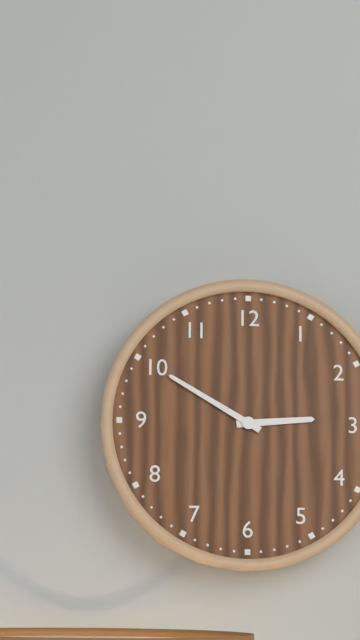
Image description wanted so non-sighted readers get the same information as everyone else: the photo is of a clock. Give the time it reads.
2:50
